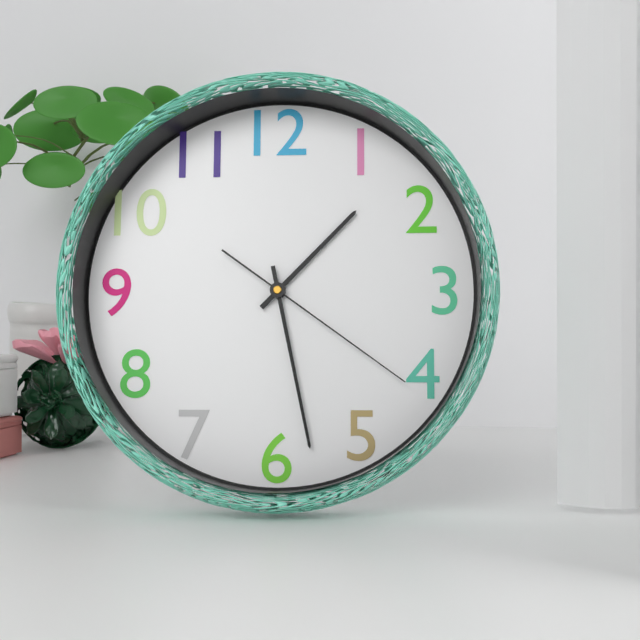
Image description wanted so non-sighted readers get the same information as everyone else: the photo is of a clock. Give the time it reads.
1:28:21
